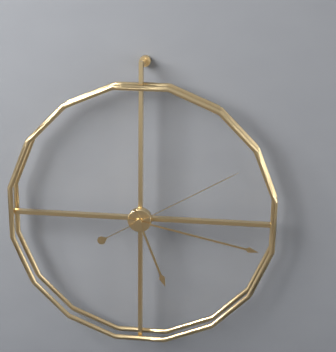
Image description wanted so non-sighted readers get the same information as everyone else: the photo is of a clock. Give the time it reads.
5:17:10
